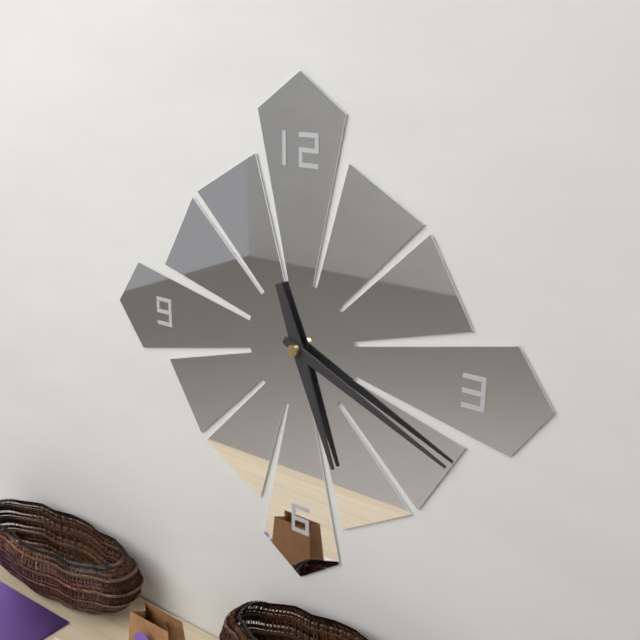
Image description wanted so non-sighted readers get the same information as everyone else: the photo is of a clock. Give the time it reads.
5:19
